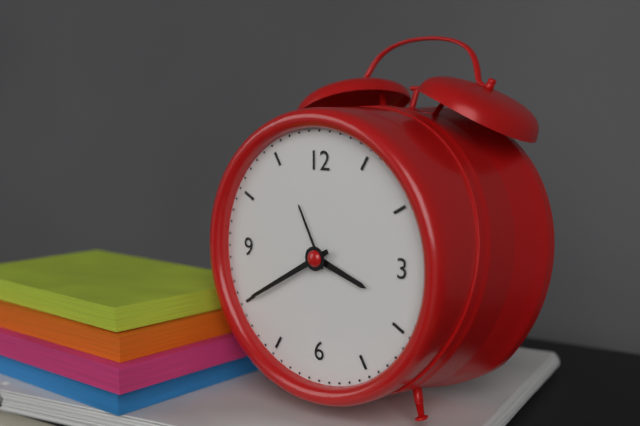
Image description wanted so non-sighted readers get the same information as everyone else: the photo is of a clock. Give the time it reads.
3:40
